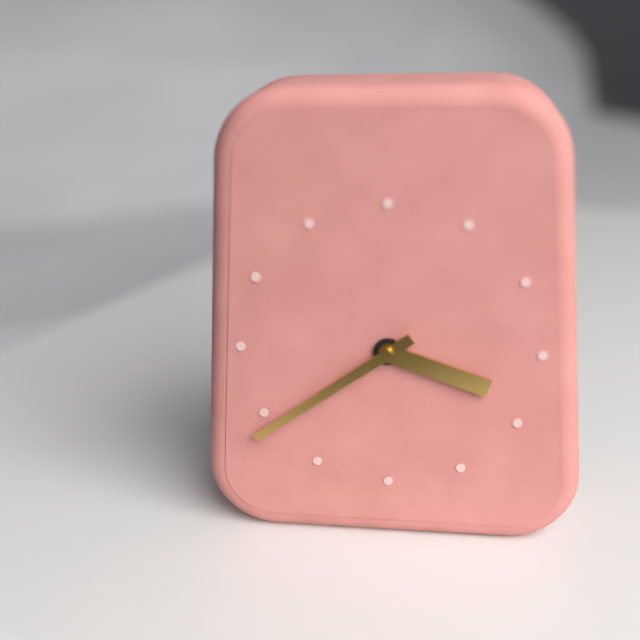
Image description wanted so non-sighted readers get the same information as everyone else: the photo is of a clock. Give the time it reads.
3:39
